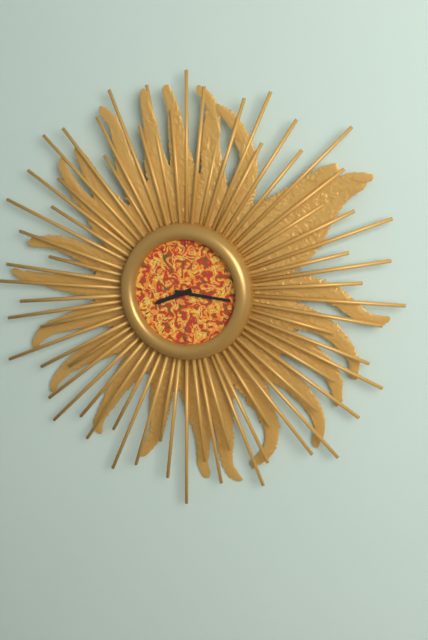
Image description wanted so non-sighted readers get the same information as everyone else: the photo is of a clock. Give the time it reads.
8:16
